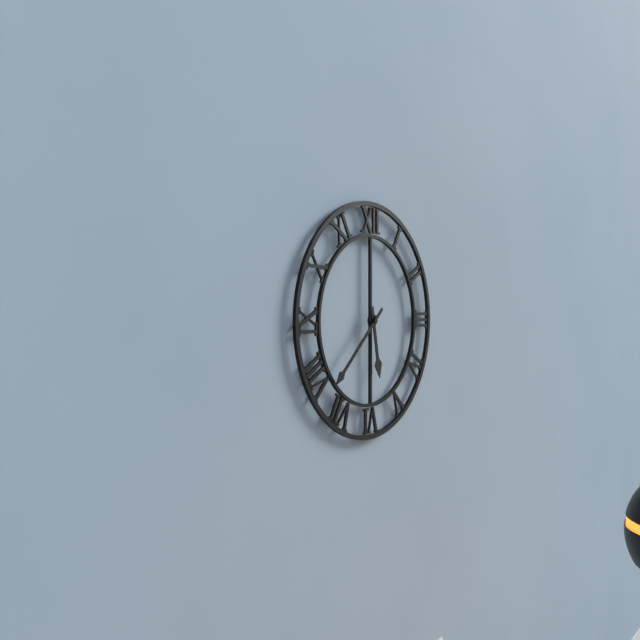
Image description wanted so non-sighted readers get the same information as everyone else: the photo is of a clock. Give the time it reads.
5:38
